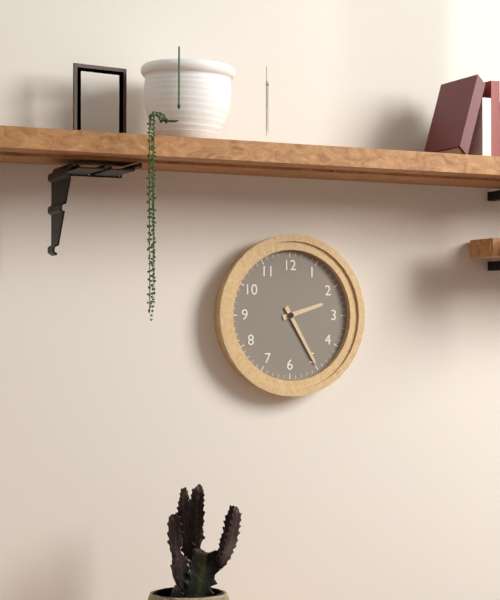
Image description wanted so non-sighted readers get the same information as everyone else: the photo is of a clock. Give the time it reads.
2:25
